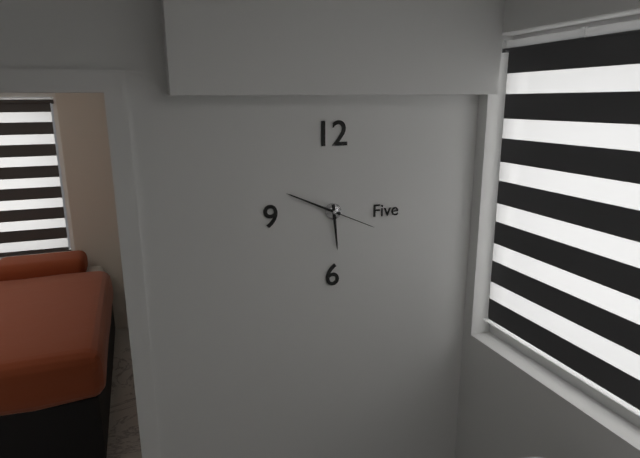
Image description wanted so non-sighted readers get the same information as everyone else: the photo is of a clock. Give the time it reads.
5:49:19
